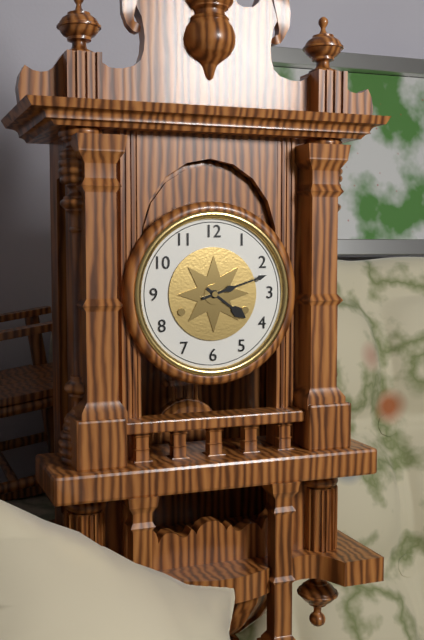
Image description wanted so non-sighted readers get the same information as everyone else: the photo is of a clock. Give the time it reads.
4:12
